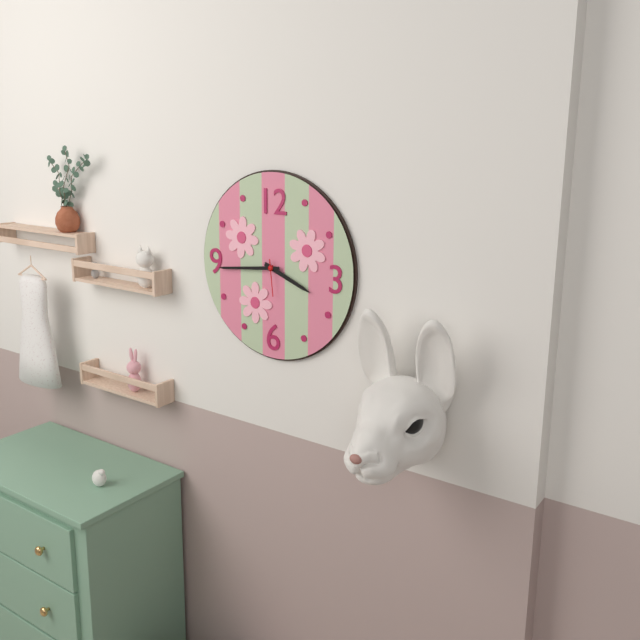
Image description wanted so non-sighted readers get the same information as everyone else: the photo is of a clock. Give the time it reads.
3:44
